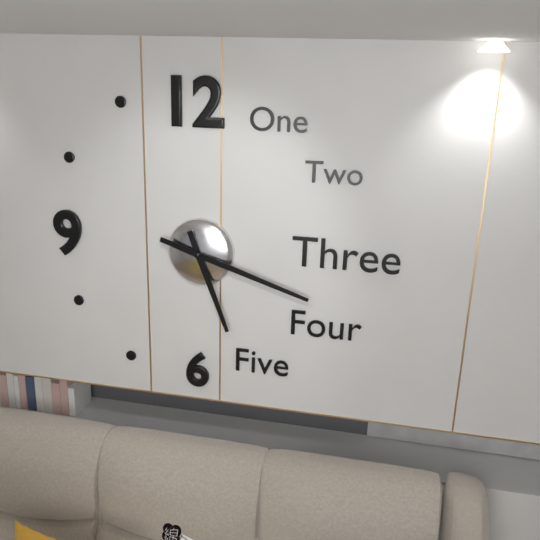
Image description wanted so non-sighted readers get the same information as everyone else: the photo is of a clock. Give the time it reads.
5:18
